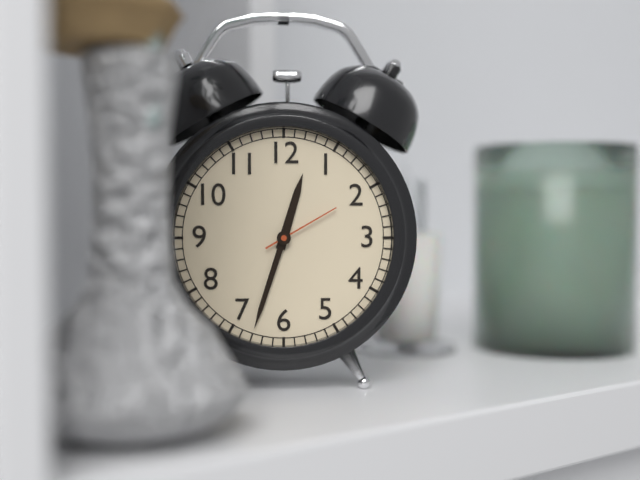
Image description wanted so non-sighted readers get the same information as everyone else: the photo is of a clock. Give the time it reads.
12:33:10
